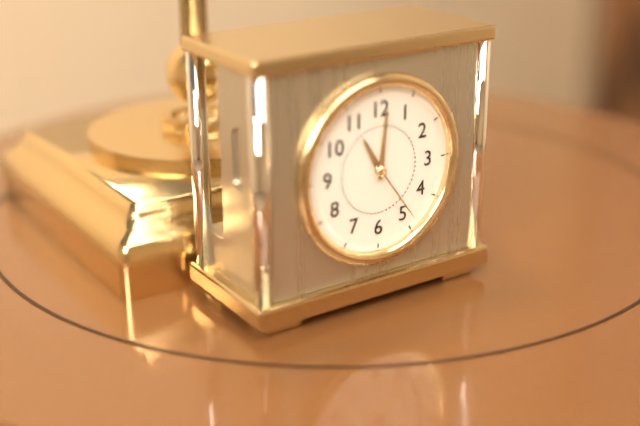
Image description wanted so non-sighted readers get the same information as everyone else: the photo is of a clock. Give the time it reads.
11:01:24
